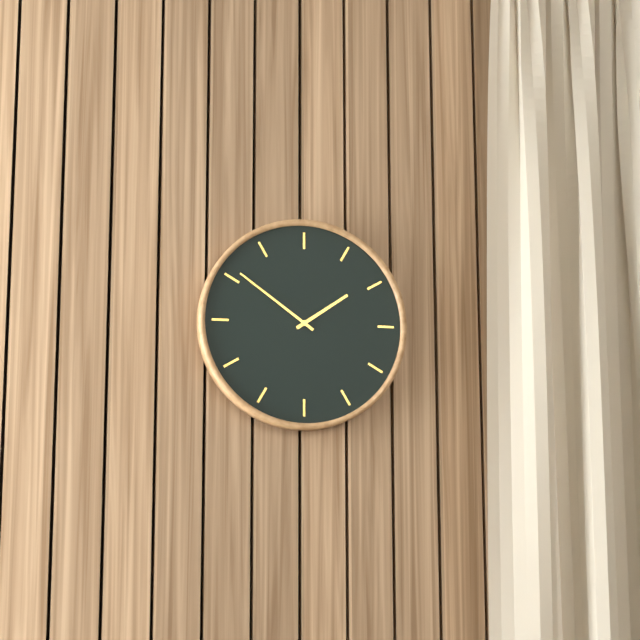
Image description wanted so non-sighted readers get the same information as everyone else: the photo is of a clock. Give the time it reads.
1:51
